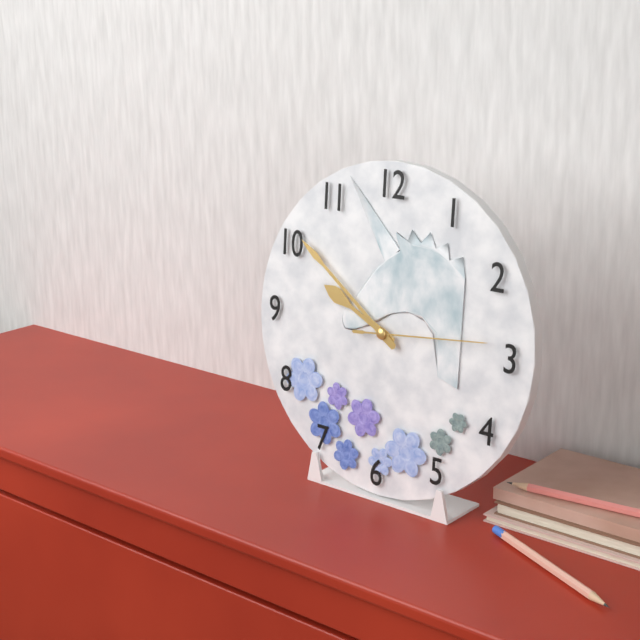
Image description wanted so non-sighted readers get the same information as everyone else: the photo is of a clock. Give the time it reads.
9:51:14
